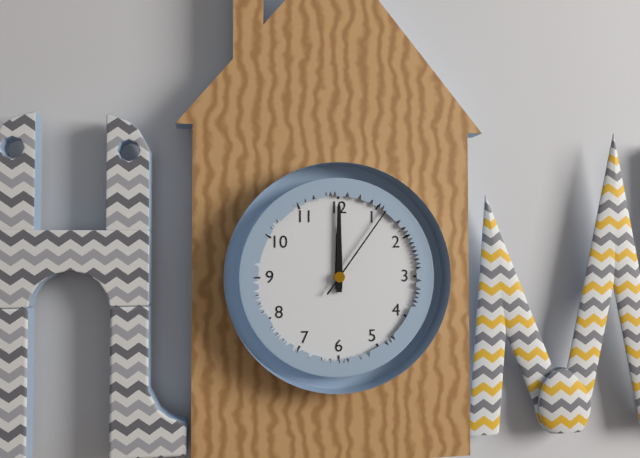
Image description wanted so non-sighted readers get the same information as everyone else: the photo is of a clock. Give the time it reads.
12:00:06
